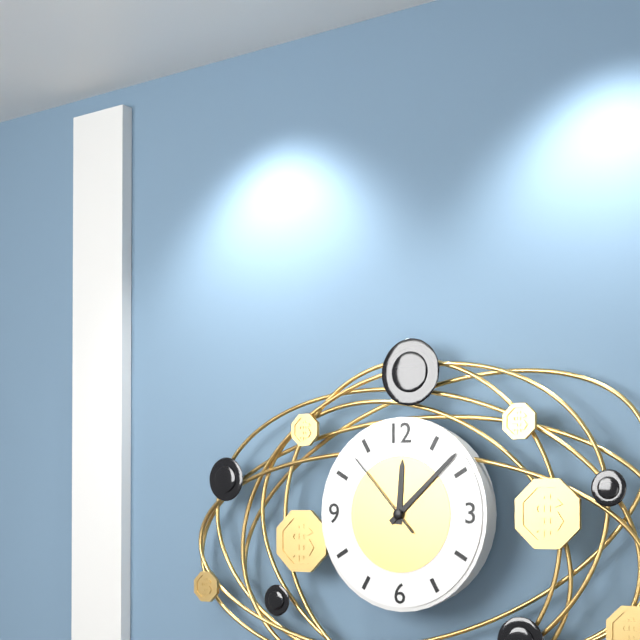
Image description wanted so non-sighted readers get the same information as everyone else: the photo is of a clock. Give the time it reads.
12:08:53
